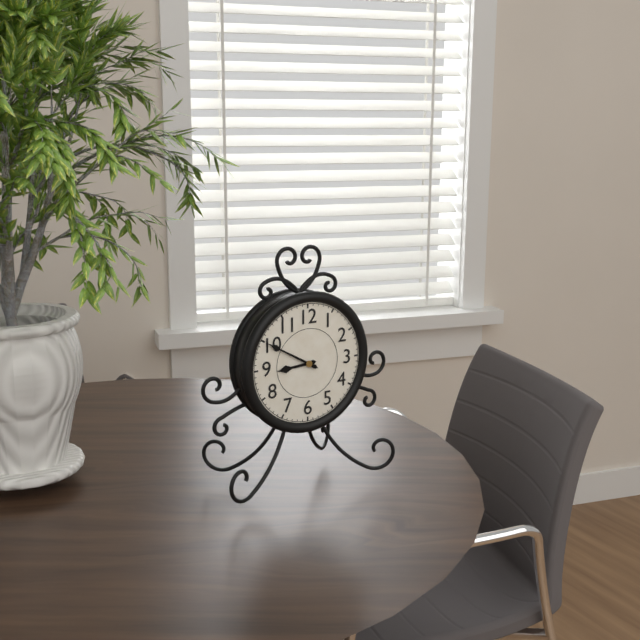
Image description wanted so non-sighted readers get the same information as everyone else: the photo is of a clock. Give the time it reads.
8:50
